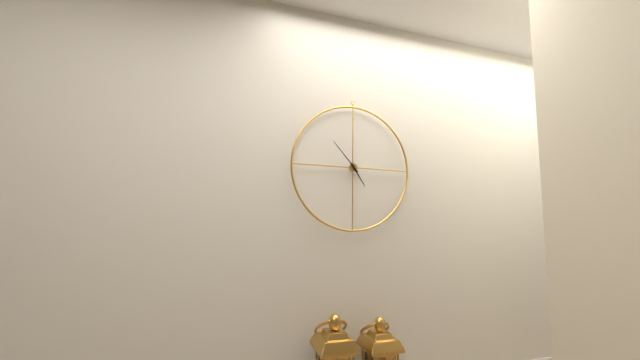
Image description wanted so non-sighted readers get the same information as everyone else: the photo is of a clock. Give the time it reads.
4:53
